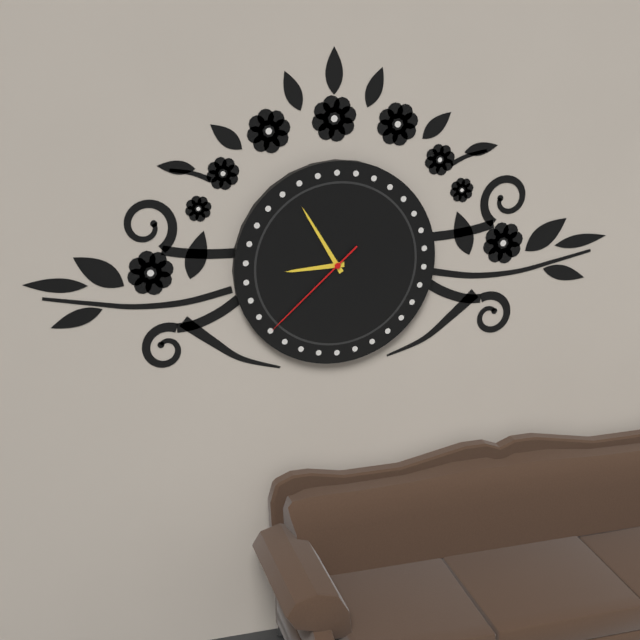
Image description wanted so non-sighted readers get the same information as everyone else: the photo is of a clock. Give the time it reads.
8:55:38
